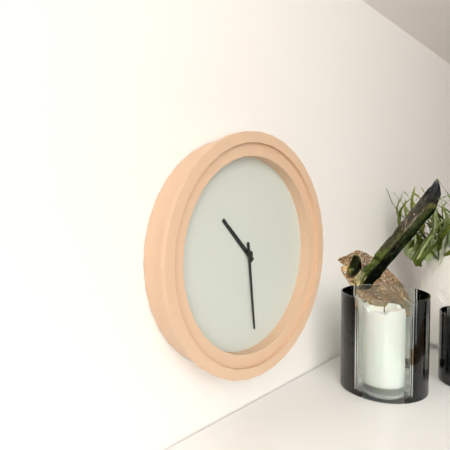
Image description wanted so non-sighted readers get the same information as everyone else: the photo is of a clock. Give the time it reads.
10:29
